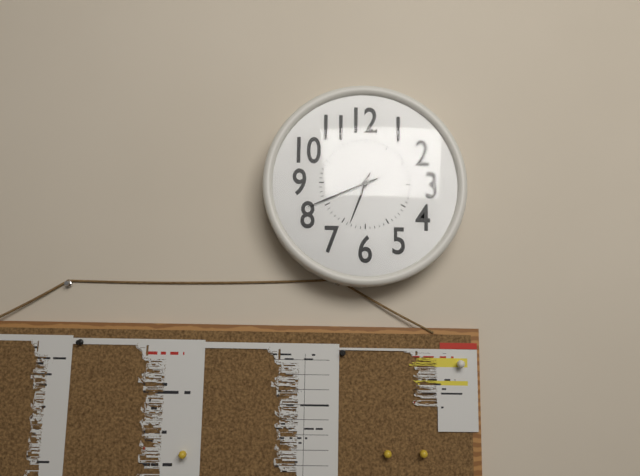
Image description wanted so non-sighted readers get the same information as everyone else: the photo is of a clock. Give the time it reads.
6:41
